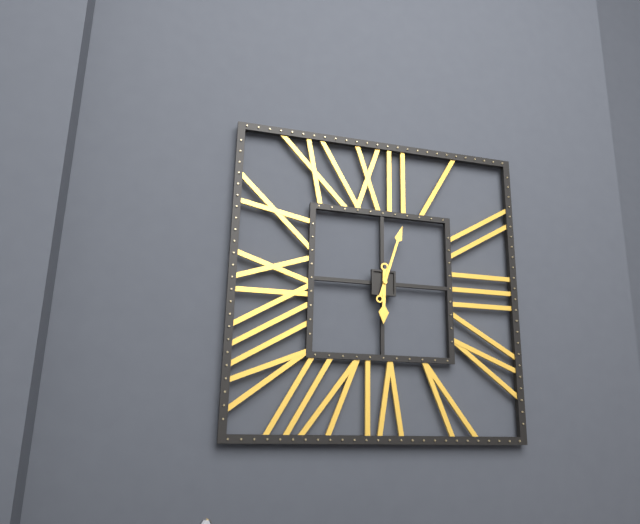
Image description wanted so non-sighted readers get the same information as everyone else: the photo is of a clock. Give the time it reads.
6:03
